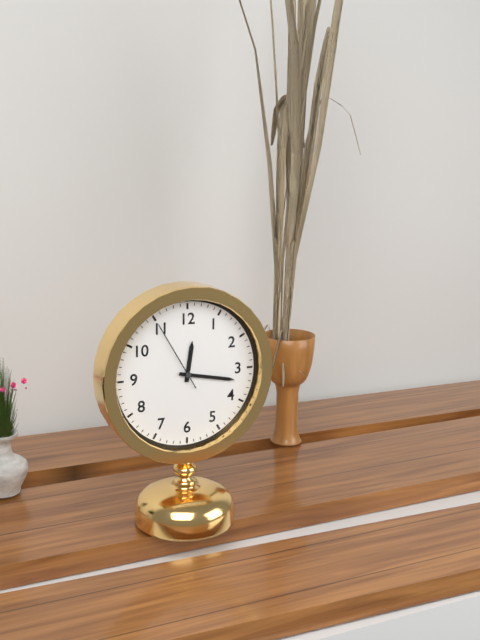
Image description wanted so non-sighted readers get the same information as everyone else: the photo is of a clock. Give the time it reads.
12:17:55
